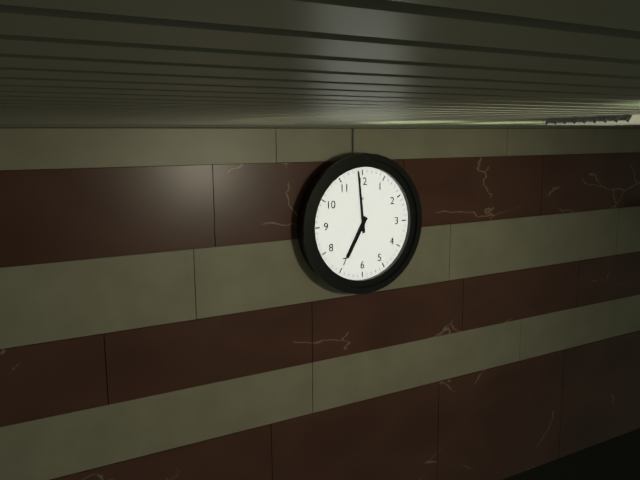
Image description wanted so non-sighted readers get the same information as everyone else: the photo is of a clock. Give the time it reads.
6:59
